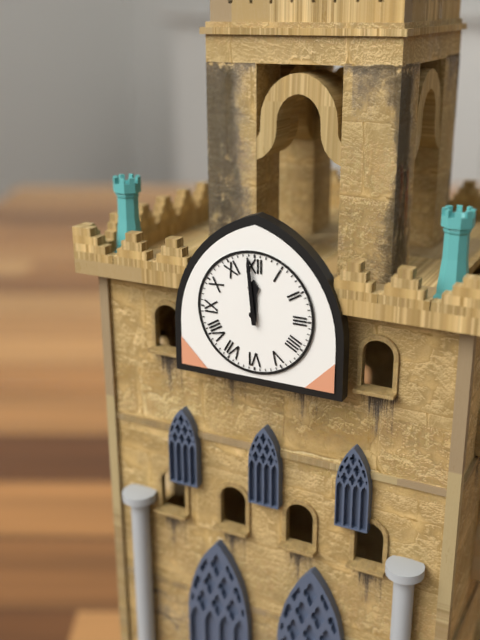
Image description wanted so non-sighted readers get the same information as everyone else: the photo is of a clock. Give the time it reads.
11:59
